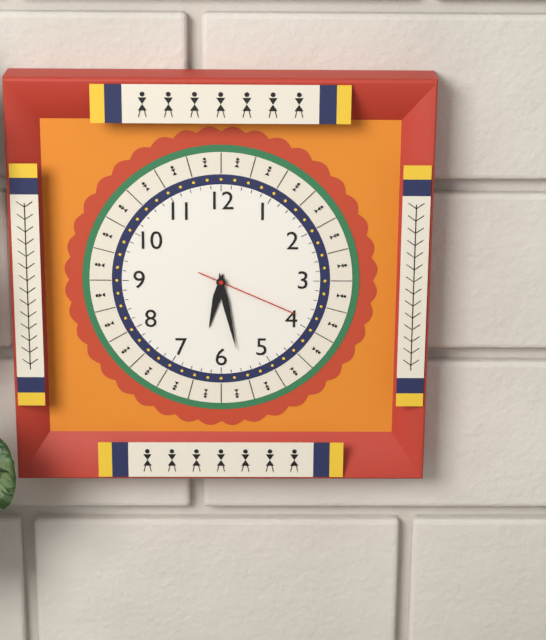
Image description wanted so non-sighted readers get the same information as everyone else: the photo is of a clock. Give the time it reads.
6:28:19
